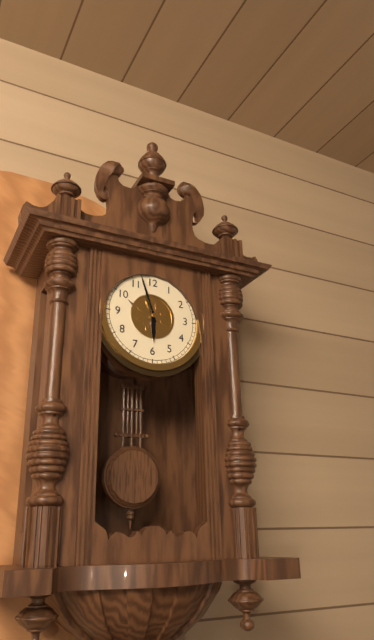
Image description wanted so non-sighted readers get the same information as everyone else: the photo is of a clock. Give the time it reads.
5:57
